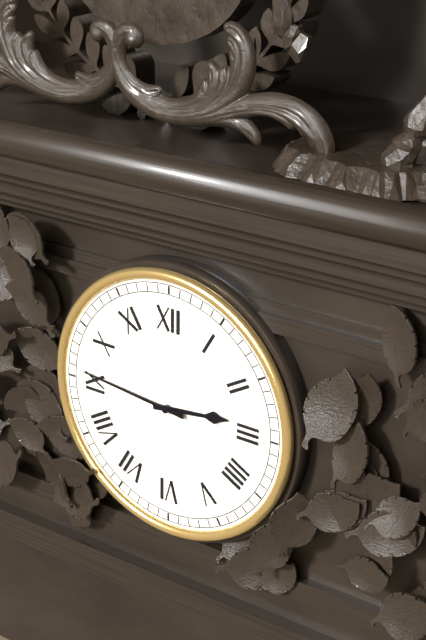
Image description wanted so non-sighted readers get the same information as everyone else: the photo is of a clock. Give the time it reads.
2:46
